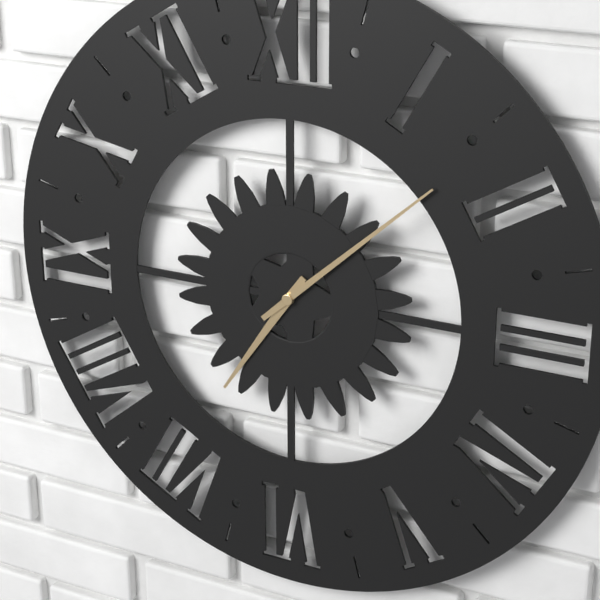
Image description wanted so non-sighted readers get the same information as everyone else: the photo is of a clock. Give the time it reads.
7:08
